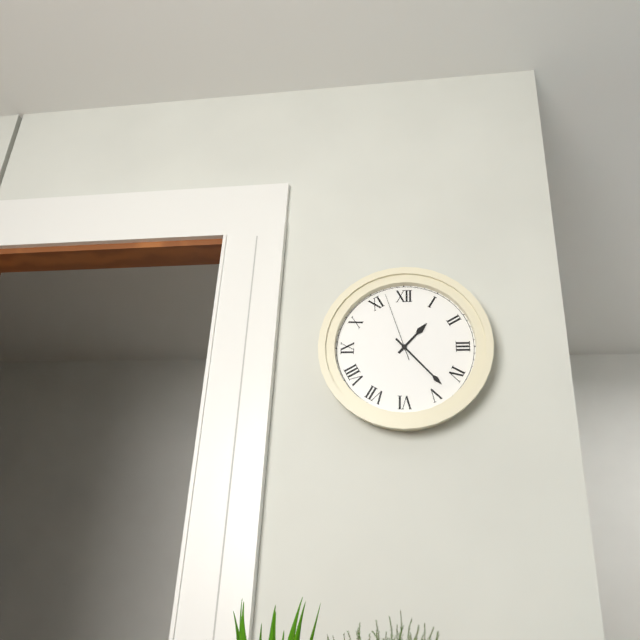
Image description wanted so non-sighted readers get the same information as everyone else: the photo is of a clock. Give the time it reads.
1:23:57
